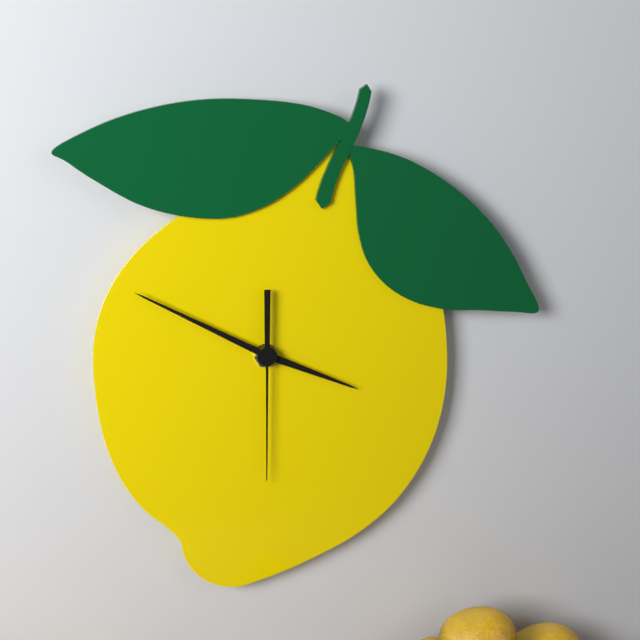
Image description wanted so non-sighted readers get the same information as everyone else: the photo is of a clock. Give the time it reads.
3:50:30
